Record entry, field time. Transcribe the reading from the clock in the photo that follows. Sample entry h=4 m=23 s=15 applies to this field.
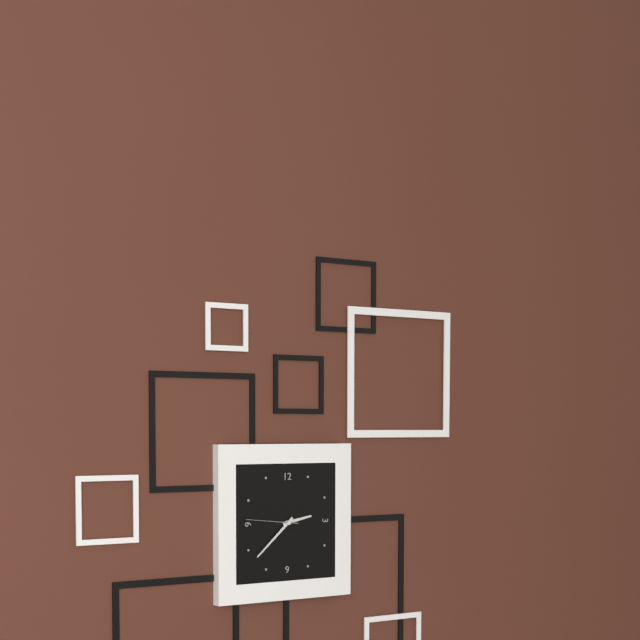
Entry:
h=2 m=38 s=46
